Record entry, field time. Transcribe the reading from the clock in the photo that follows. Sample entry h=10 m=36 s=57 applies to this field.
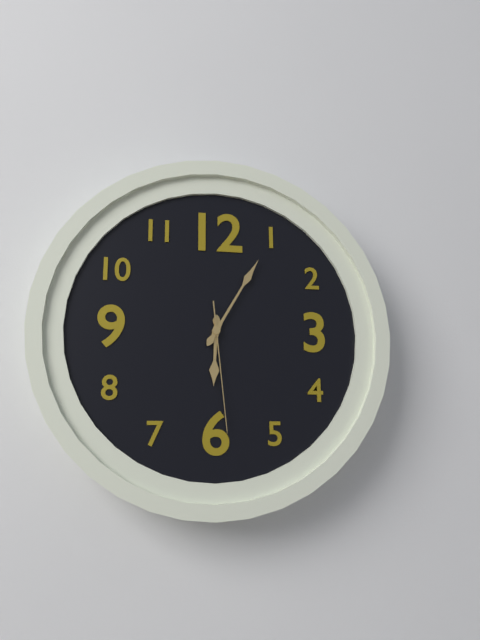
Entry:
h=6 m=5 s=29
